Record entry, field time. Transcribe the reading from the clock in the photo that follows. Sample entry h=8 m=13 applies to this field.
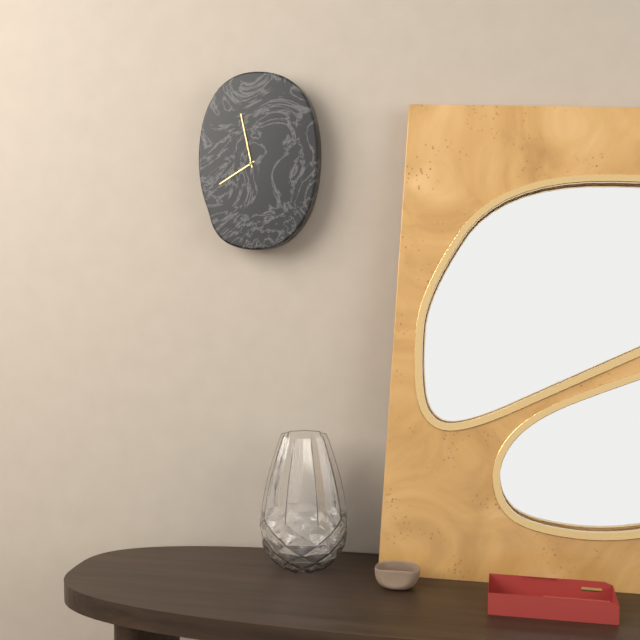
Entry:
h=7 m=58
